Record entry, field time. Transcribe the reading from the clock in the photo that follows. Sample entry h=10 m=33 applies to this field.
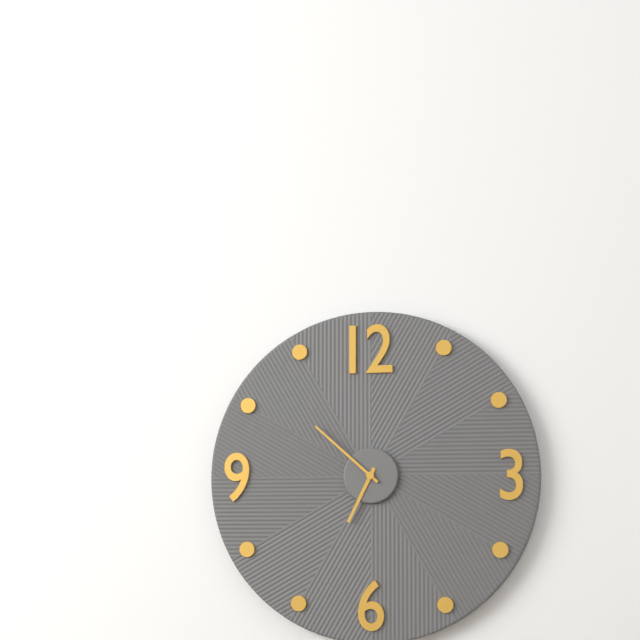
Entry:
h=6 m=52
